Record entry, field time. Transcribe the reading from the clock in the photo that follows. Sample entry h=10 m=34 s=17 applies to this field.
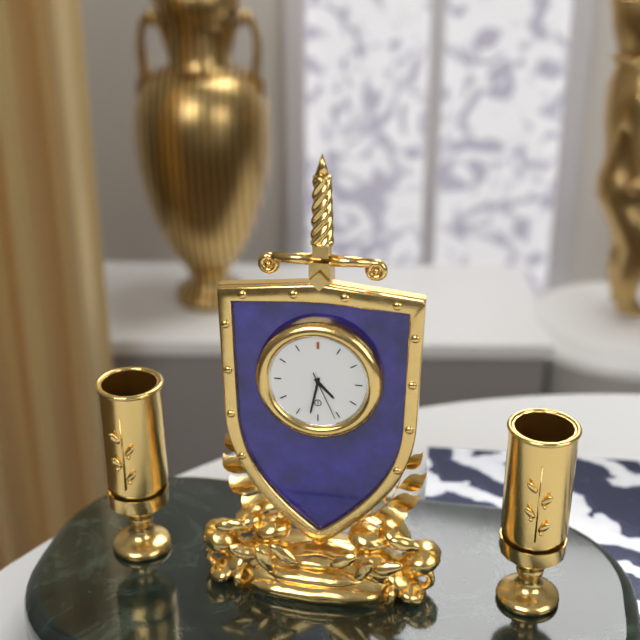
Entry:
h=4 m=32 s=26
